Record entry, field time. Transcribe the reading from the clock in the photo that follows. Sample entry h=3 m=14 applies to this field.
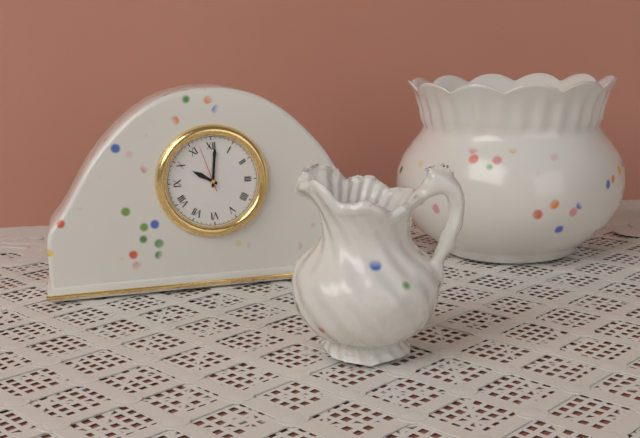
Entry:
h=10 m=1
